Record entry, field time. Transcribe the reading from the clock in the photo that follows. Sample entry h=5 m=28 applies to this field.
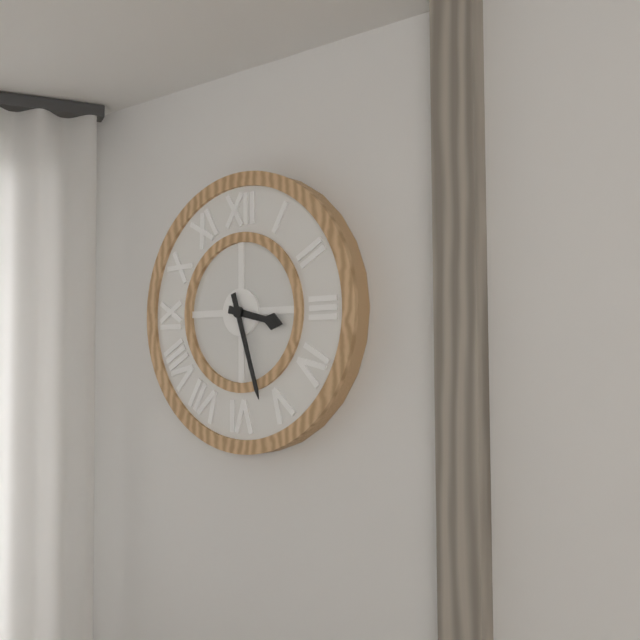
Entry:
h=3 m=27
